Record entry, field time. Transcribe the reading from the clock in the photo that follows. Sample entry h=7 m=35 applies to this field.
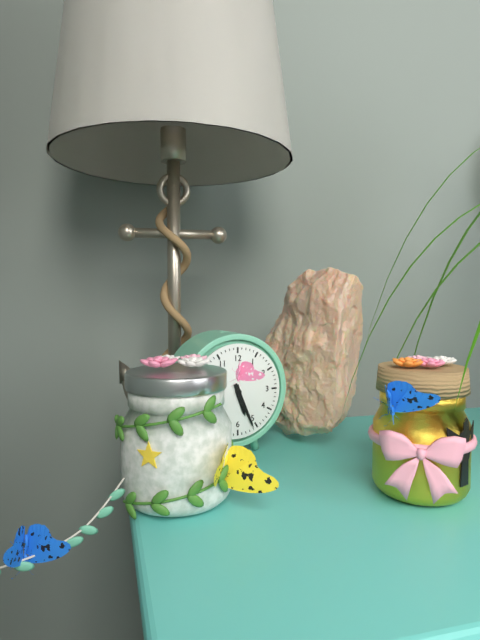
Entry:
h=5 m=26
